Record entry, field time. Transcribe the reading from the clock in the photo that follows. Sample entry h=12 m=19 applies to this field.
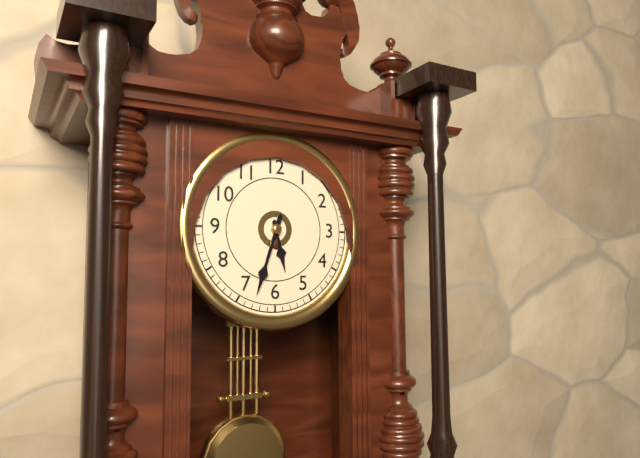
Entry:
h=5 m=33
